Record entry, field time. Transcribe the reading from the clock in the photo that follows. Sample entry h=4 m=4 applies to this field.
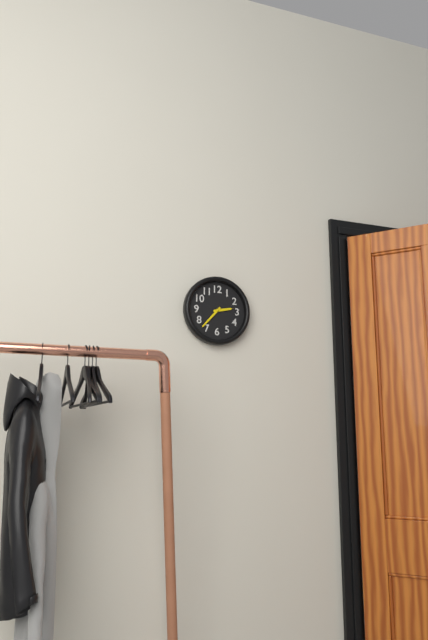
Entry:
h=2 m=37
